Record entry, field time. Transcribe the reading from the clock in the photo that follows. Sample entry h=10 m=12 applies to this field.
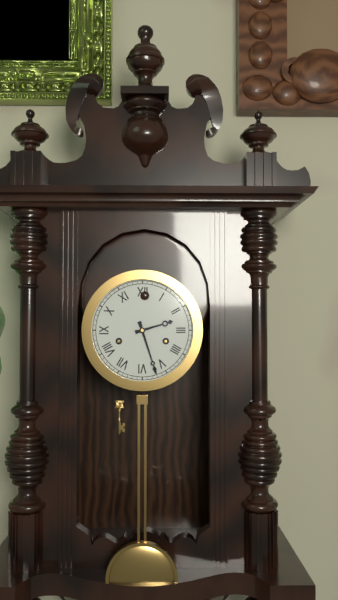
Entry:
h=2 m=27
